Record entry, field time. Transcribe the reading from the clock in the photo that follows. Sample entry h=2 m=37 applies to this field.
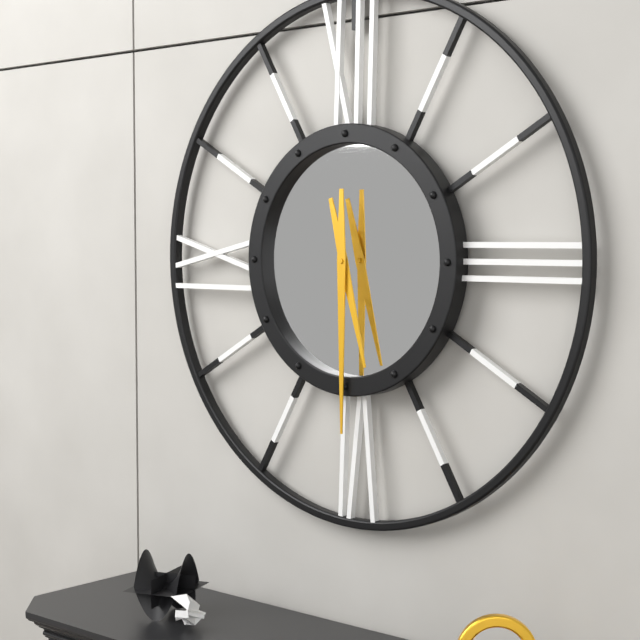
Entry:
h=5 m=30
